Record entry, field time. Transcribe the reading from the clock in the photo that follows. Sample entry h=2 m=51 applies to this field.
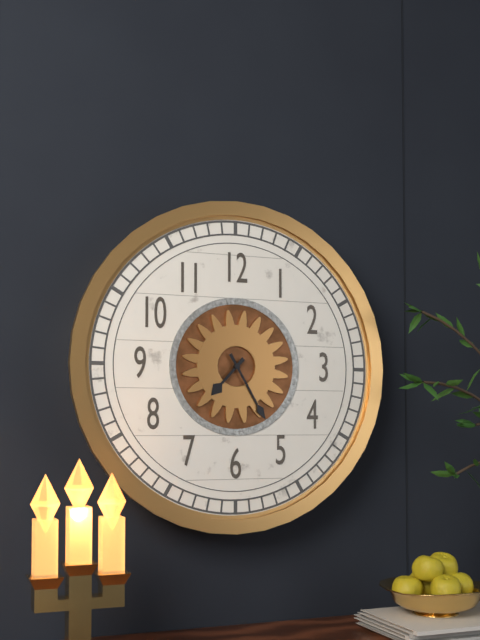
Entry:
h=7 m=25
